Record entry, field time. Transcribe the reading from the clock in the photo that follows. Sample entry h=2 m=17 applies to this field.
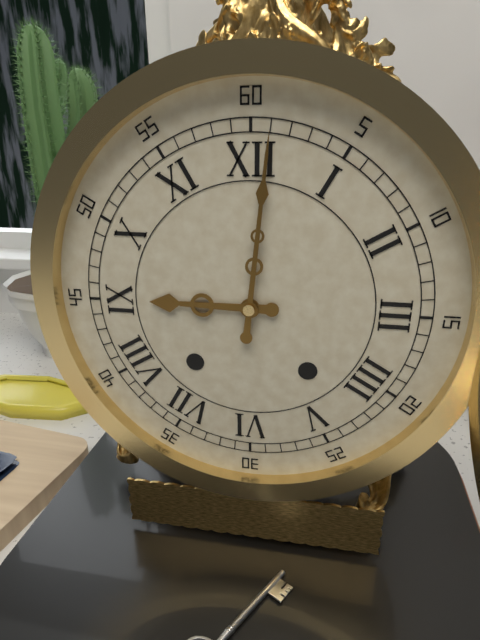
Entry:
h=9 m=1
